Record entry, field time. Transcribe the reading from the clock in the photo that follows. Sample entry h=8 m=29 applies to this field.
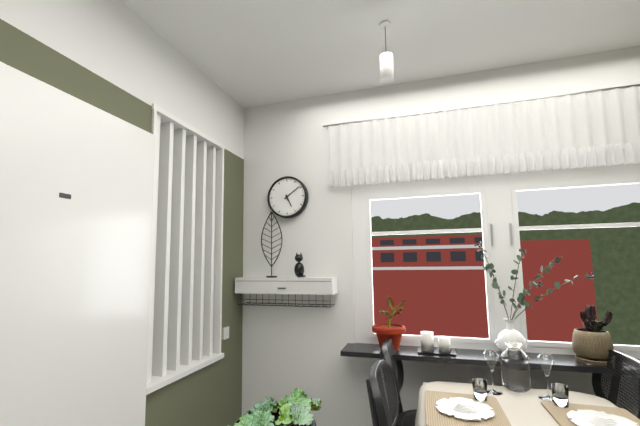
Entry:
h=5 m=9
